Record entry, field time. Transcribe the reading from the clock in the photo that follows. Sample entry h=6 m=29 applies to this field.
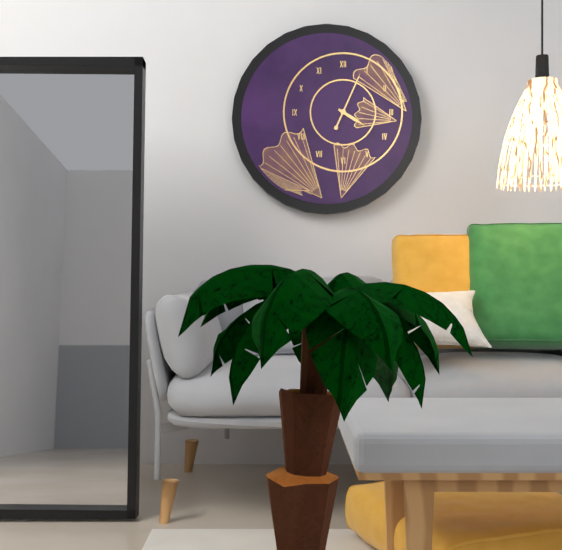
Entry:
h=4 m=4
